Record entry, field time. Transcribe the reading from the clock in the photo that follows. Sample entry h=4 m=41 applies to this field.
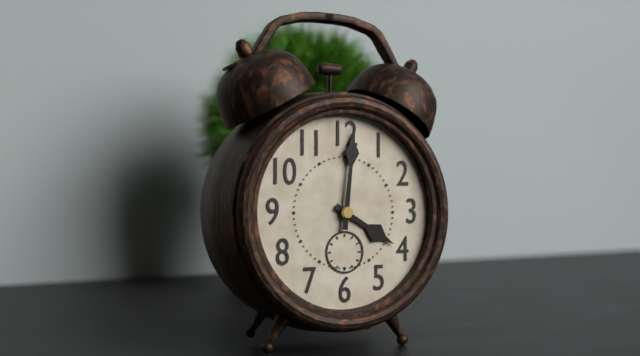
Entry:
h=4 m=1
